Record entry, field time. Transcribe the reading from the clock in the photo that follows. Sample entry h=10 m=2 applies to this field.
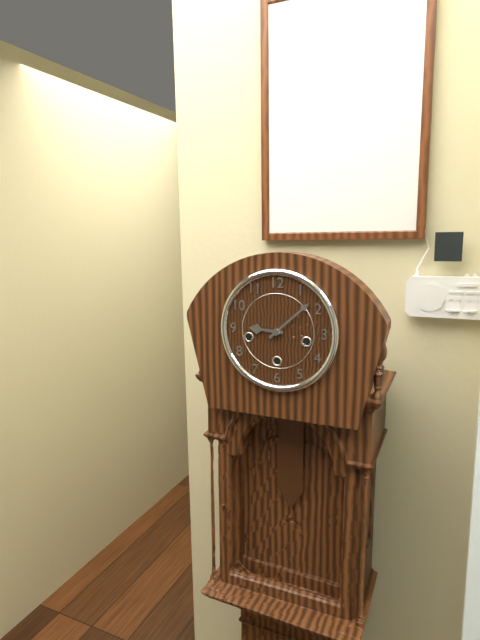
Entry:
h=9 m=8
